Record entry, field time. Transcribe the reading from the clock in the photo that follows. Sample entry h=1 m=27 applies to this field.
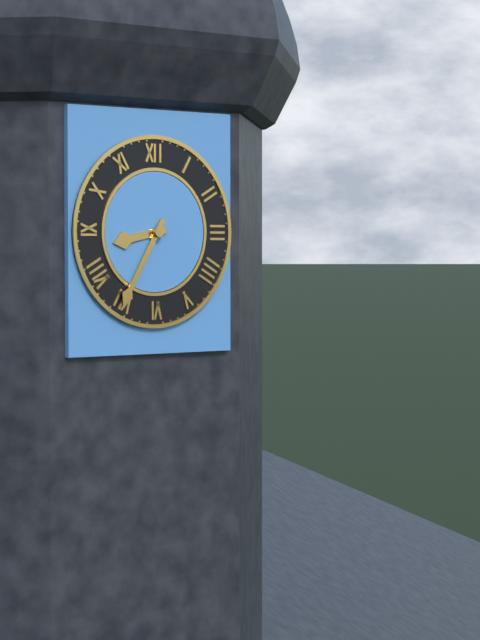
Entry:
h=8 m=35
